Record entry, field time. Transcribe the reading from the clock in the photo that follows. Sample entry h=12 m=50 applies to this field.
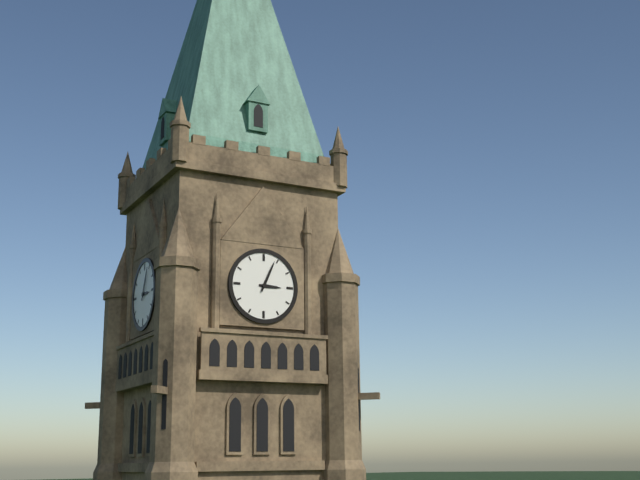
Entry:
h=3 m=4
